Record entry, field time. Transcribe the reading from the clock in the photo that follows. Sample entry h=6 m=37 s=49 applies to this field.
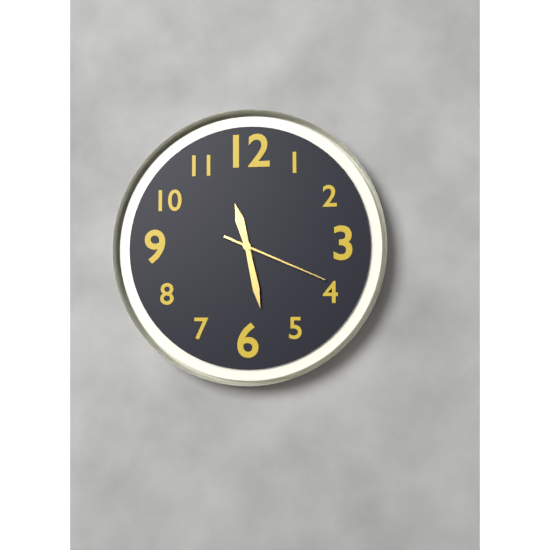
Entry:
h=11 m=28 s=19
